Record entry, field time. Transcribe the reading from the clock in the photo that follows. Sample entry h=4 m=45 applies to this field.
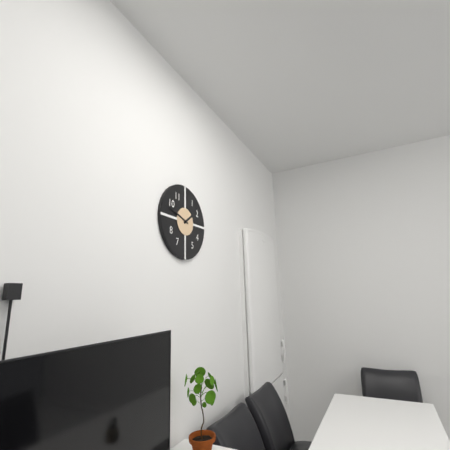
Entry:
h=1 m=48
